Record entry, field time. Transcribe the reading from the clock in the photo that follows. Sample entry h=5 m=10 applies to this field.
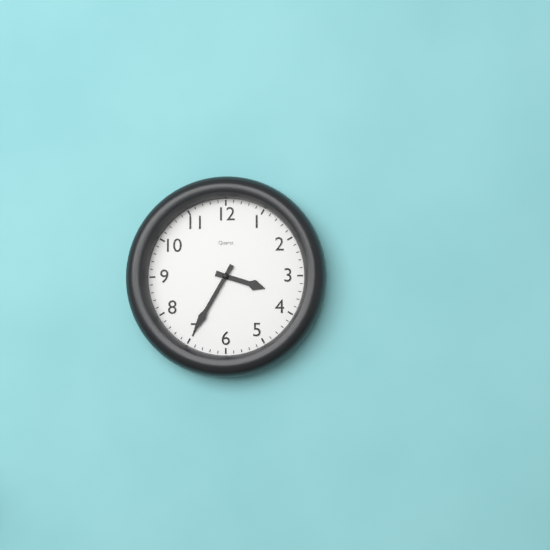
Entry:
h=3 m=35
